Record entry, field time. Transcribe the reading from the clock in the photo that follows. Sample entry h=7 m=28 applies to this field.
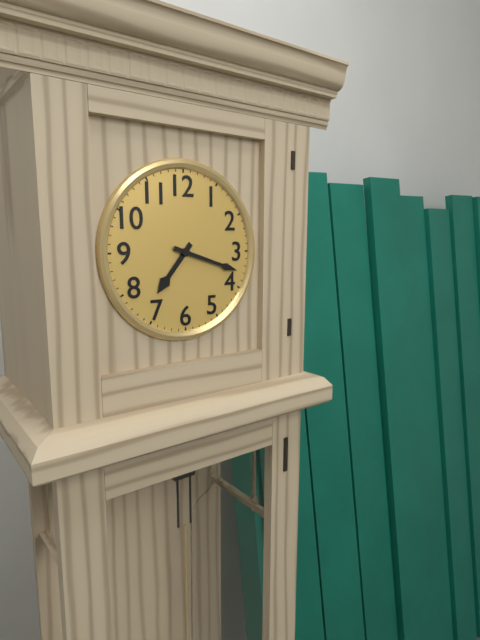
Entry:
h=7 m=18
